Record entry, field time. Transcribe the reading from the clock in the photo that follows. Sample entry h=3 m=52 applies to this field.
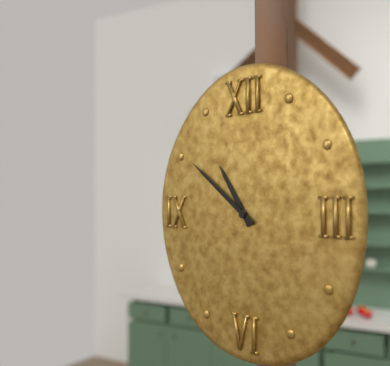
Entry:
h=10 m=51
